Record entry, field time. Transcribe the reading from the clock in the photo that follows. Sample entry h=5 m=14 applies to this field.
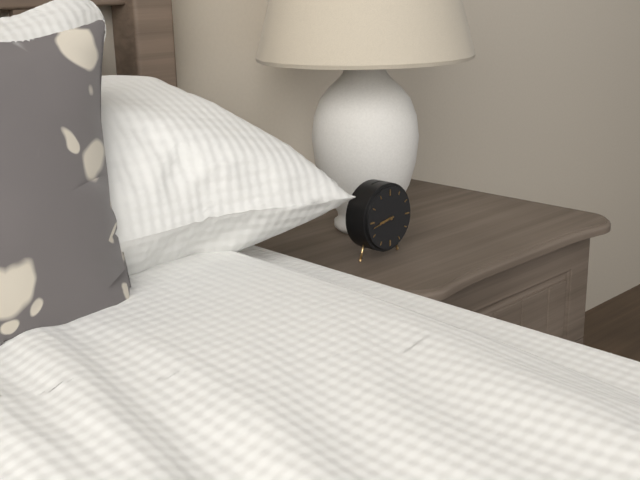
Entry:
h=8 m=43
